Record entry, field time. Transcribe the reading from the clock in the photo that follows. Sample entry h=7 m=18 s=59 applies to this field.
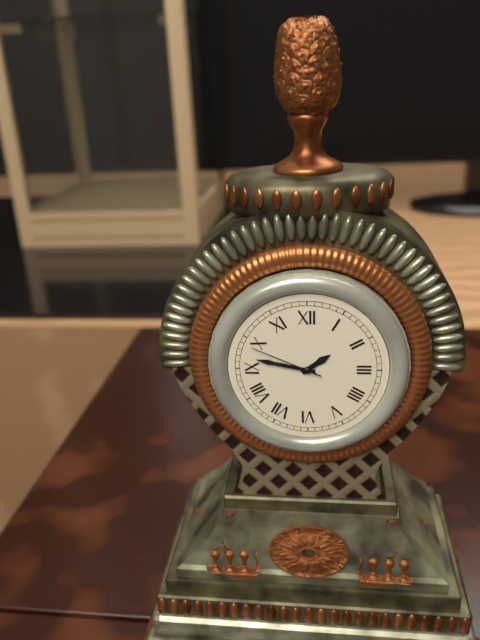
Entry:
h=1 m=47 s=49
